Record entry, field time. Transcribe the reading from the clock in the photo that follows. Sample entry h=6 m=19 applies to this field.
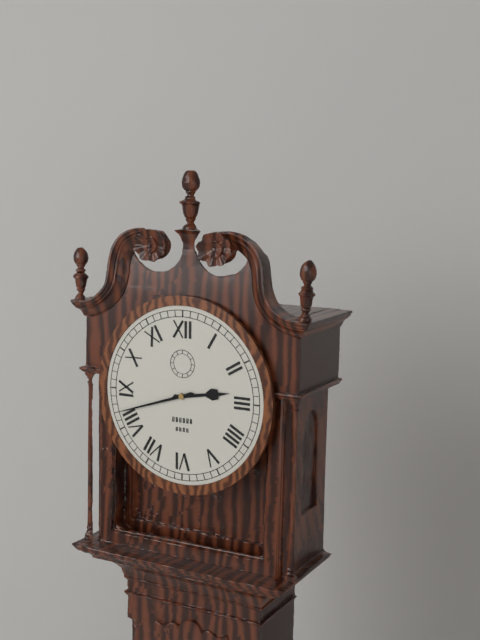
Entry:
h=2 m=42
